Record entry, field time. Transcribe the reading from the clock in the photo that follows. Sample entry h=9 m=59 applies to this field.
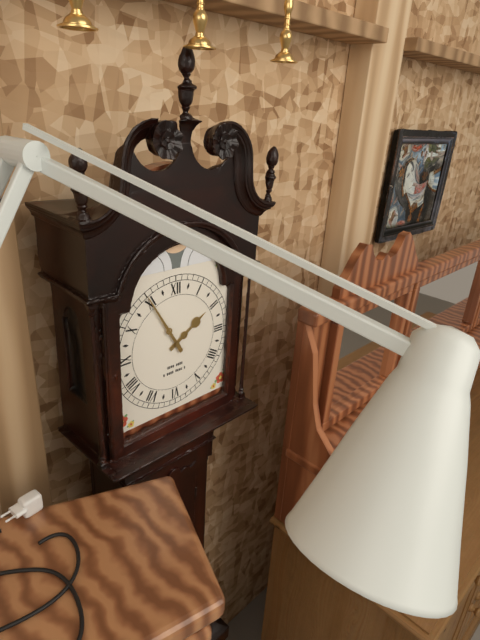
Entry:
h=1 m=55
